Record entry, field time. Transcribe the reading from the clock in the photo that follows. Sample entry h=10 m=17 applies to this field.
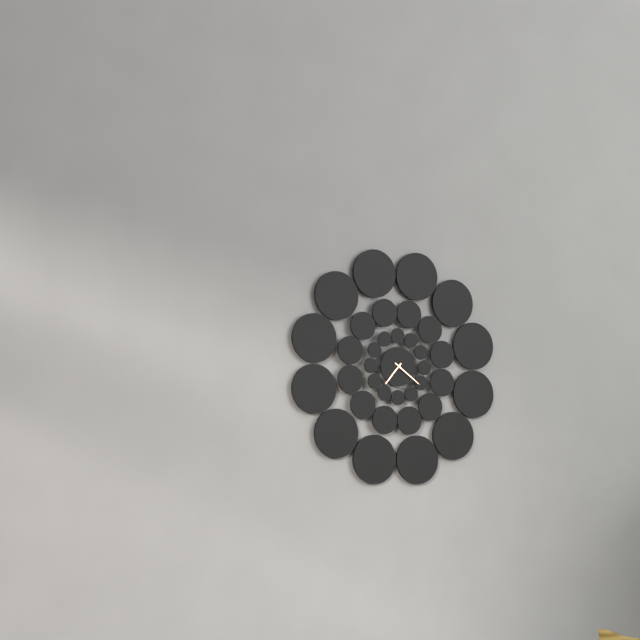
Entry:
h=7 m=21
